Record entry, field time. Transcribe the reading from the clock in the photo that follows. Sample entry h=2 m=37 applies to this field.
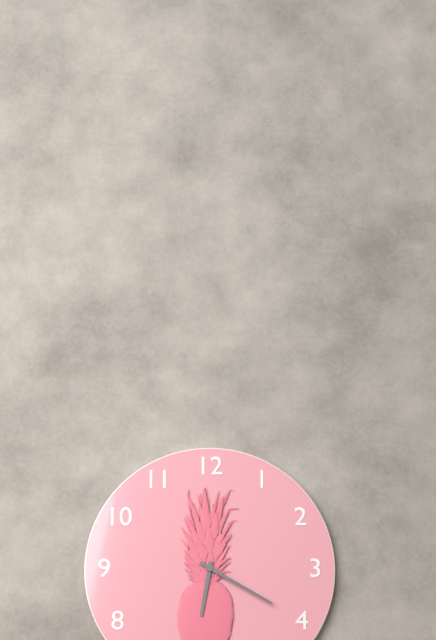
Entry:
h=6 m=20
